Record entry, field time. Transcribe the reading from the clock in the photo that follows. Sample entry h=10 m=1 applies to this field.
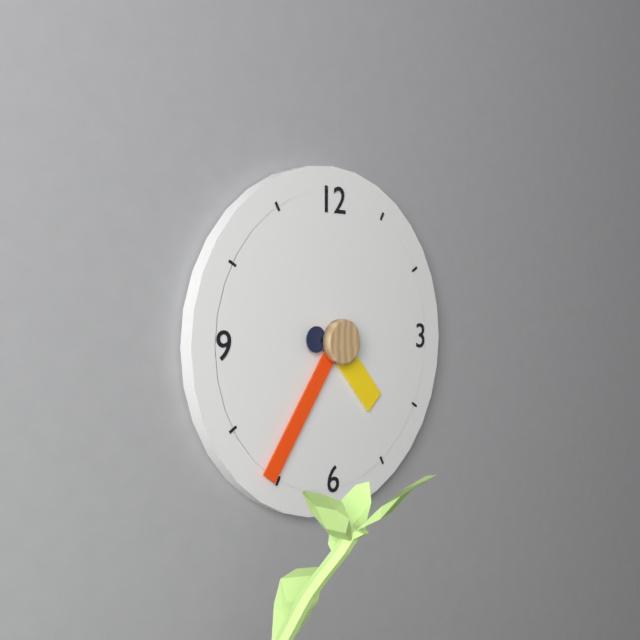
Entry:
h=4 m=36
